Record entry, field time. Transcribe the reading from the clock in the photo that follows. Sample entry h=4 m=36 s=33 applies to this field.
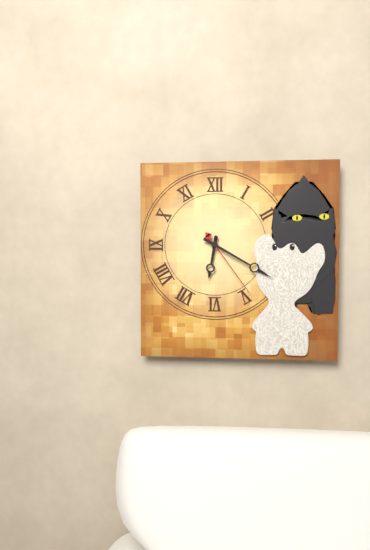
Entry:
h=6 m=20 s=24
